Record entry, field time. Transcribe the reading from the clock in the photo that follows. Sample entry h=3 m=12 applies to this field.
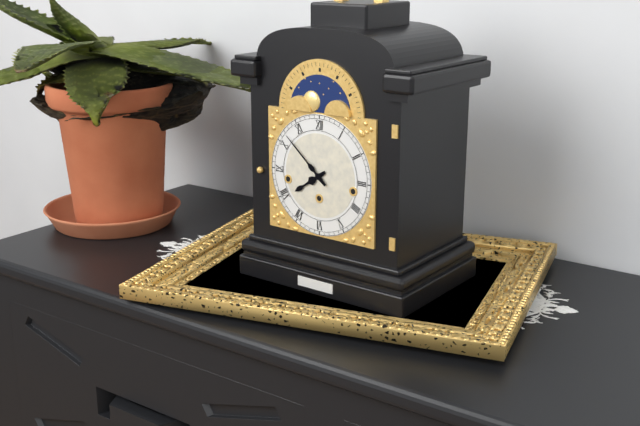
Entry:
h=7 m=52
